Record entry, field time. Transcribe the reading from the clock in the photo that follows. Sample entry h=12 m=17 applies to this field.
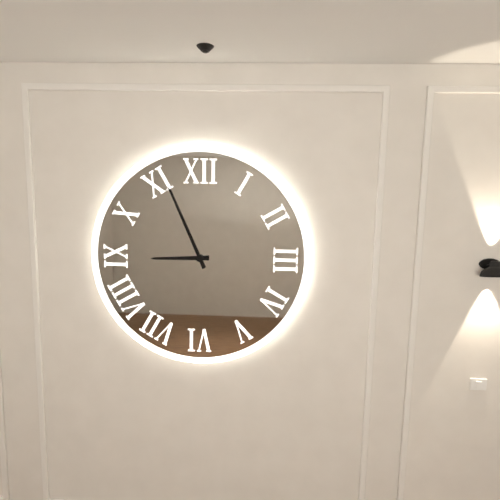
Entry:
h=8 m=56
